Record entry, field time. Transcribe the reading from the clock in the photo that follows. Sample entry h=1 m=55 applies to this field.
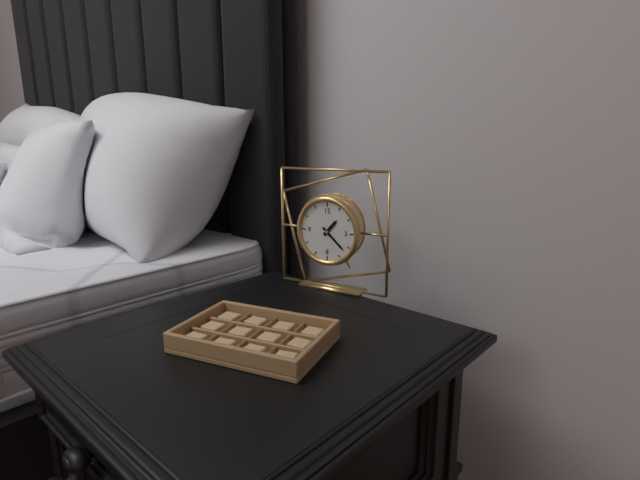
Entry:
h=1 m=22
